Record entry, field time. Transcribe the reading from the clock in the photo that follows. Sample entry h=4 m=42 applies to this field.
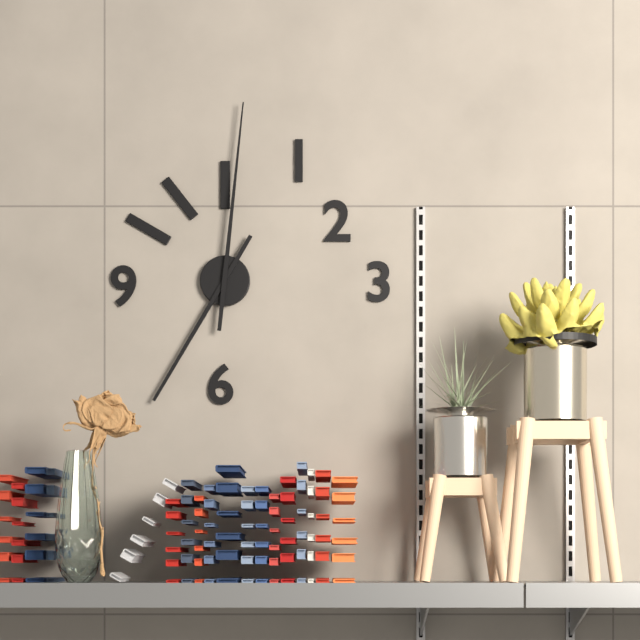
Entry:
h=7 m=1
